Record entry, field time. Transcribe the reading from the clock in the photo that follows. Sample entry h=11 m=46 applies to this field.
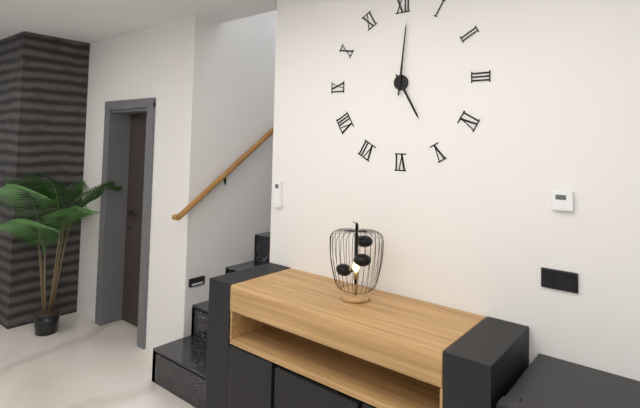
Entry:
h=5 m=1
